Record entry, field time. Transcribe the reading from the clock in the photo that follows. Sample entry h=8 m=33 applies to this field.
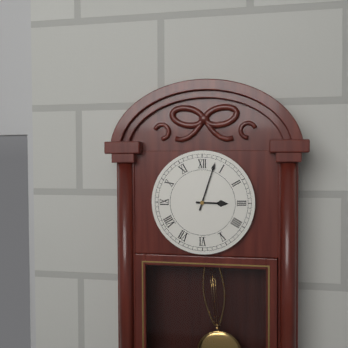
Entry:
h=3 m=3
